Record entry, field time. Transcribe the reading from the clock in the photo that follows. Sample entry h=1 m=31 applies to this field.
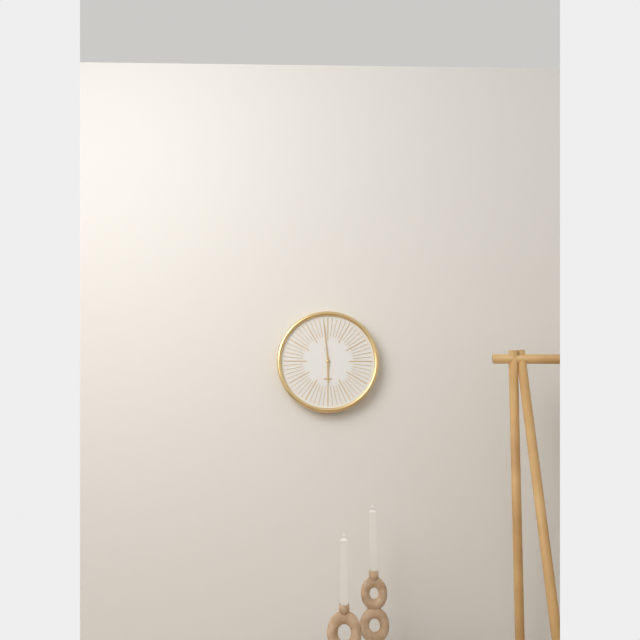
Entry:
h=5 m=59
